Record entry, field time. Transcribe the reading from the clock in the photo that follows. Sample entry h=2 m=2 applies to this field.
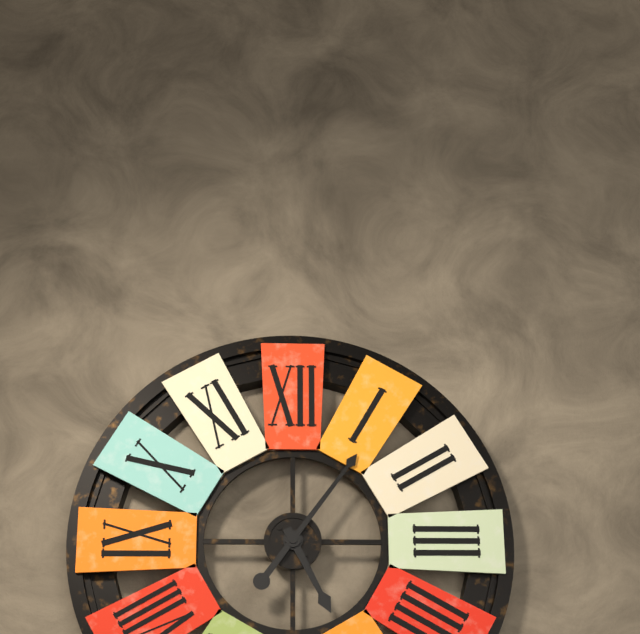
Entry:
h=5 m=6
